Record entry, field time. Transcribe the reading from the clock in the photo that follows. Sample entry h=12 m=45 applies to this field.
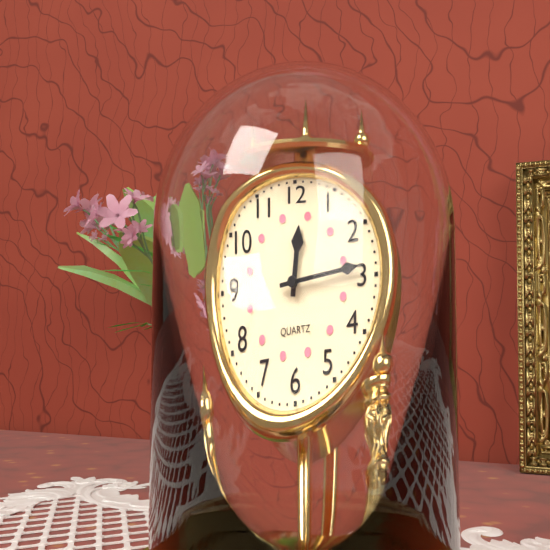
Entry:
h=12 m=14
